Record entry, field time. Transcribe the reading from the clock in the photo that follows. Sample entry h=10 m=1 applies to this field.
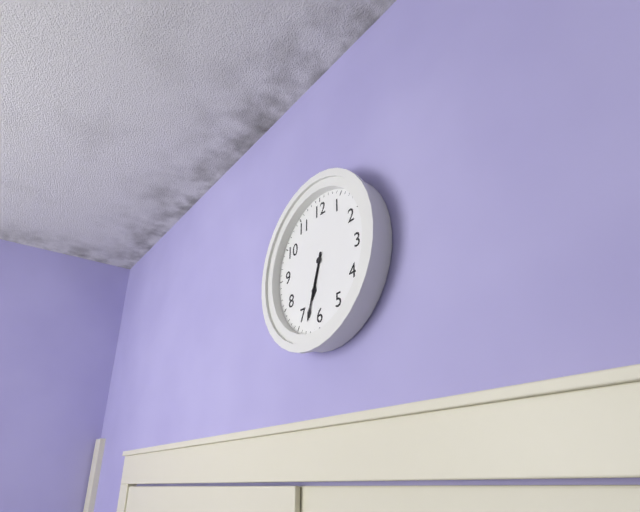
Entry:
h=6 m=33
